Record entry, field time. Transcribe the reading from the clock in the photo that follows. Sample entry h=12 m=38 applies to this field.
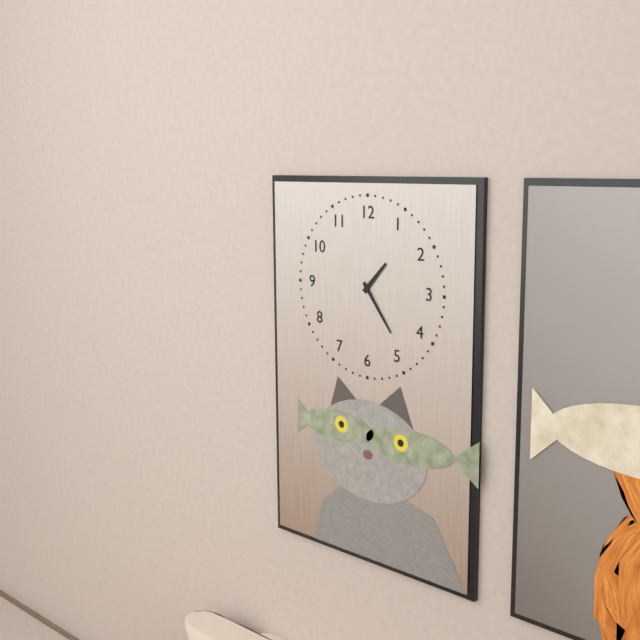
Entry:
h=1 m=24
